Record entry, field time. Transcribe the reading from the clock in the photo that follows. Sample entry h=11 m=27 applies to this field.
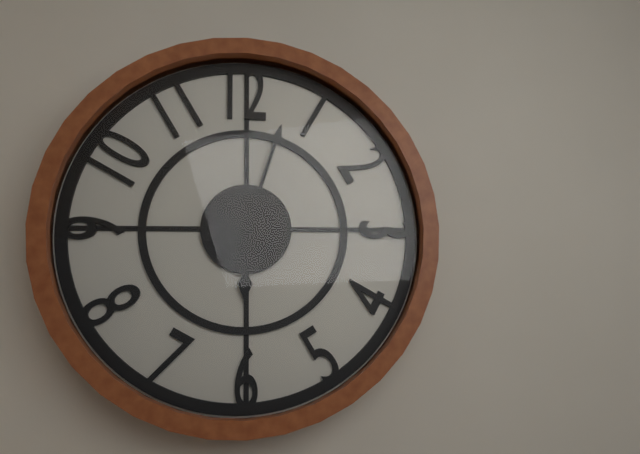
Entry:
h=6 m=3
